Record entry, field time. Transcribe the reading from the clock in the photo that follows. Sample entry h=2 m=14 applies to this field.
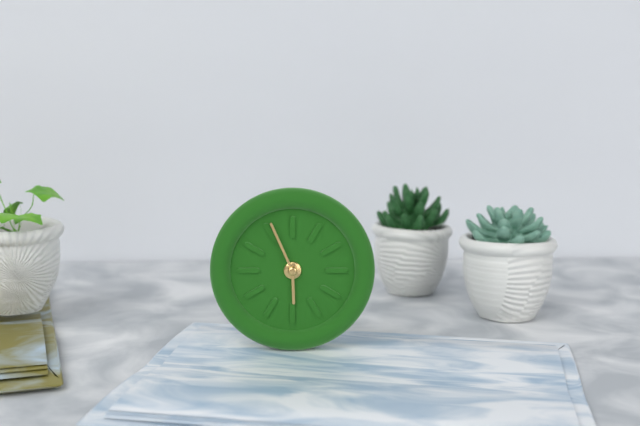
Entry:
h=5 m=56
